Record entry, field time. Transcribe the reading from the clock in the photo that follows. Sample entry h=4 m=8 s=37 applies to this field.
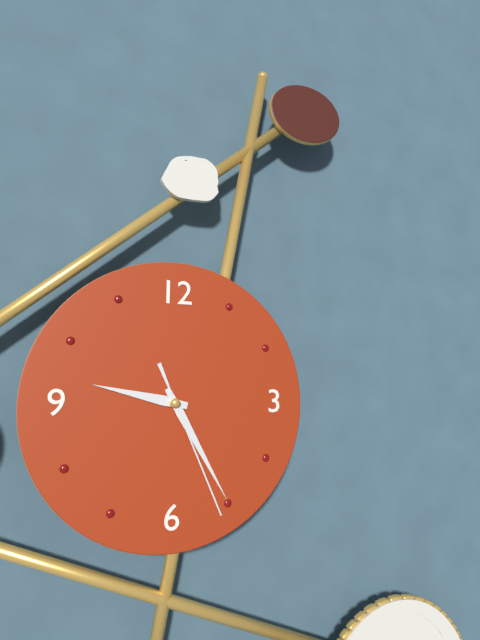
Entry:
h=9 m=25 s=26
